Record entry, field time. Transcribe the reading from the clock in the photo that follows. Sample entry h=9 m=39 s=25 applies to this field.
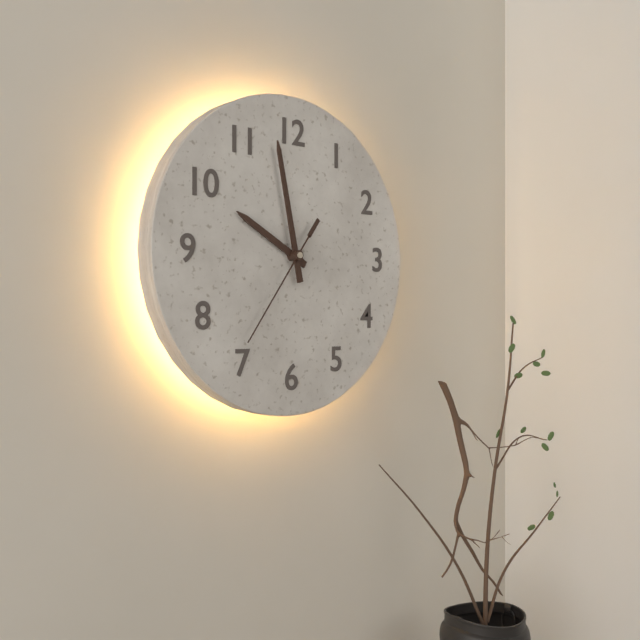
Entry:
h=9 m=58 s=36
